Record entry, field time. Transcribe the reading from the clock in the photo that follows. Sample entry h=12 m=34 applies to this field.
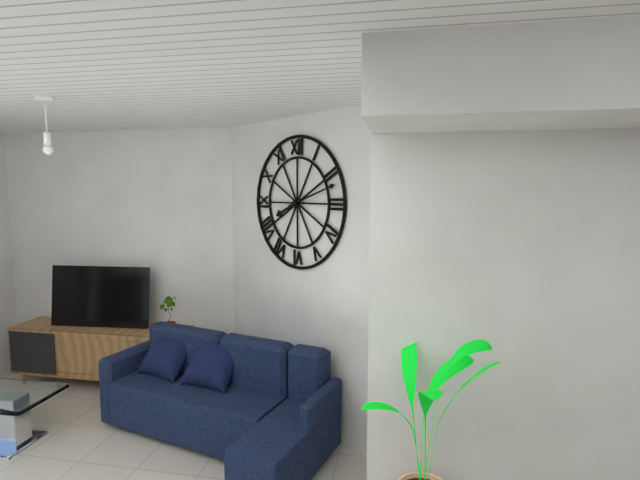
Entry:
h=8 m=12
